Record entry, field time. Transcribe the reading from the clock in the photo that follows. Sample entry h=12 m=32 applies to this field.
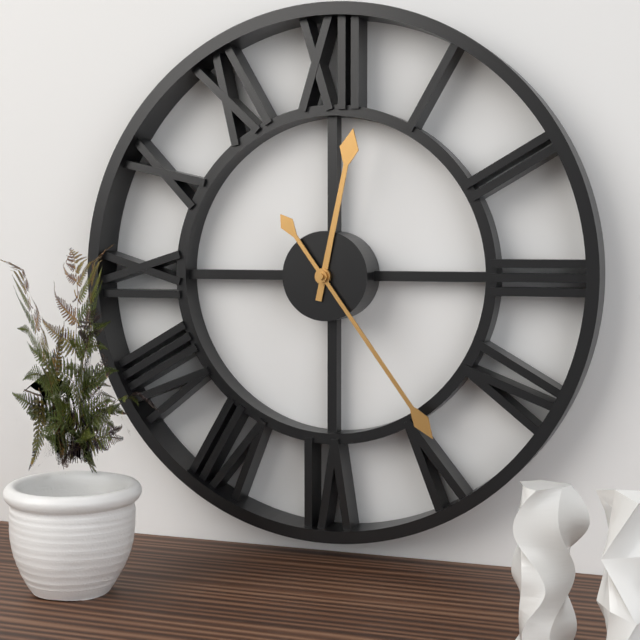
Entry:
h=12 m=24
